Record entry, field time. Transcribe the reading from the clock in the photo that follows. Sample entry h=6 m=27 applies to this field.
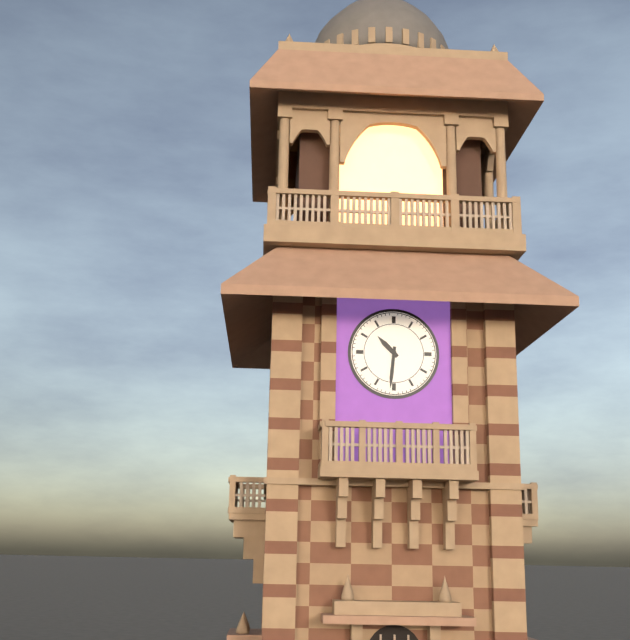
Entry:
h=10 m=31
